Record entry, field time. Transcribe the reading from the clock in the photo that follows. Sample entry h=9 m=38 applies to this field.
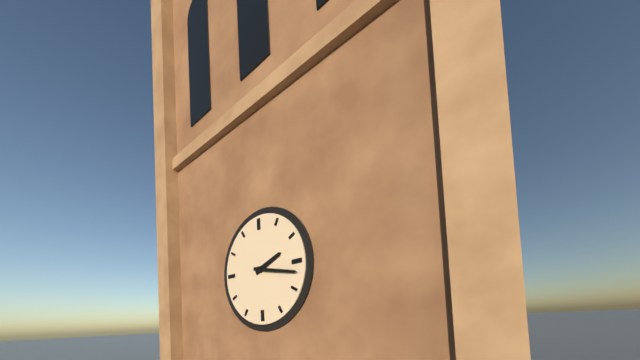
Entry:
h=2 m=17
